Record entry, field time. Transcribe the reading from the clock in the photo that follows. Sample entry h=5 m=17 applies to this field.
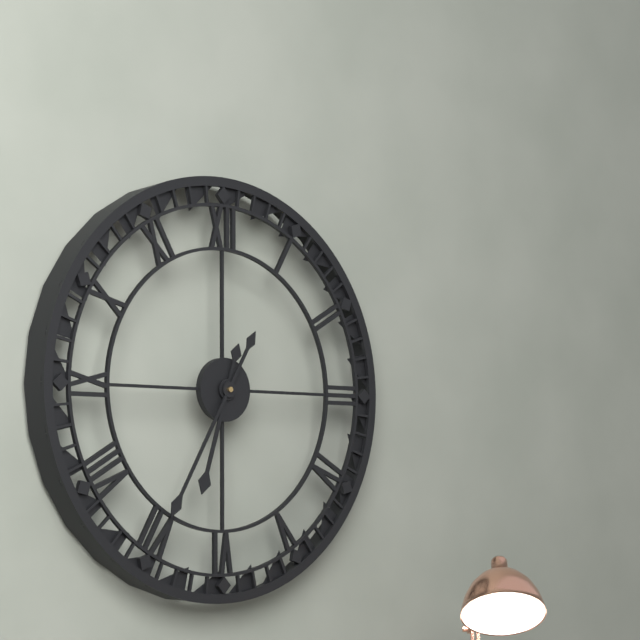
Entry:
h=6 m=35
